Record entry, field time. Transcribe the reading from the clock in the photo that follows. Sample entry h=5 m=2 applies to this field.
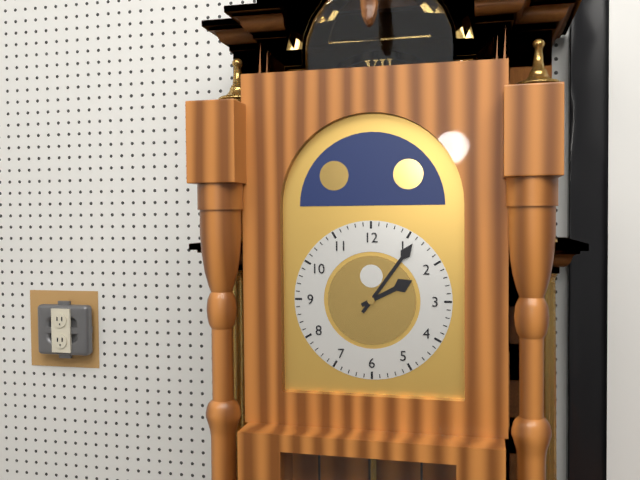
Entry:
h=2 m=6
